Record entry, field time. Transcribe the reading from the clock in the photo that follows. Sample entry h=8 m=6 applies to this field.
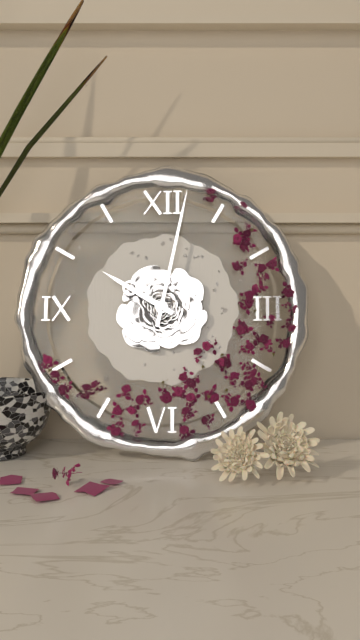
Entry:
h=10 m=2
